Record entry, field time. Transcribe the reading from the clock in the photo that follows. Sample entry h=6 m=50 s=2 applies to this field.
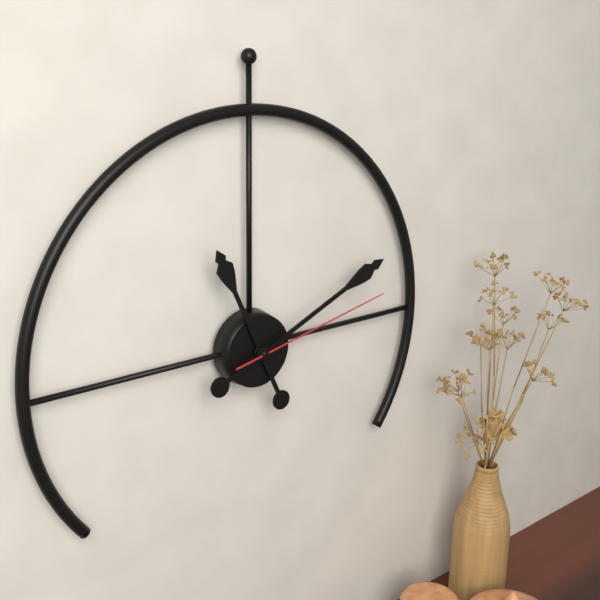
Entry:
h=11 m=11 s=13
